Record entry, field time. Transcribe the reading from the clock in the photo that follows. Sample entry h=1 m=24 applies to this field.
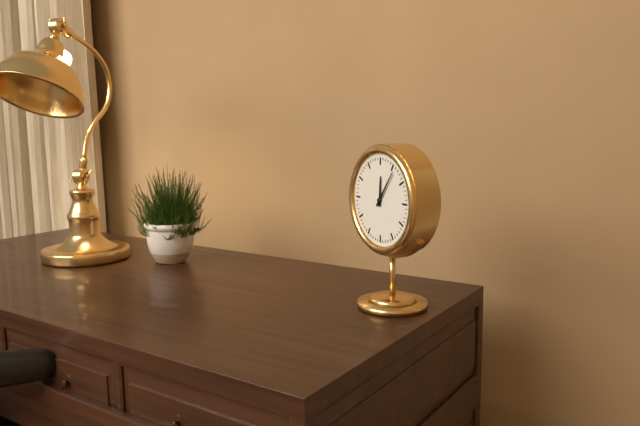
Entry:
h=12 m=6
